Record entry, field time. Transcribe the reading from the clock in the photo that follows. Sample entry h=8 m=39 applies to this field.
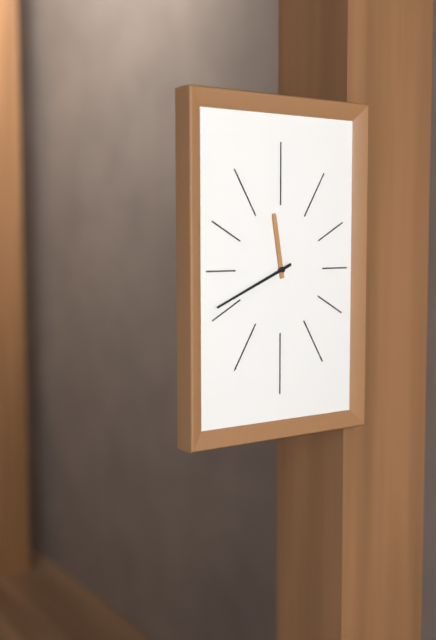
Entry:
h=11 m=41
